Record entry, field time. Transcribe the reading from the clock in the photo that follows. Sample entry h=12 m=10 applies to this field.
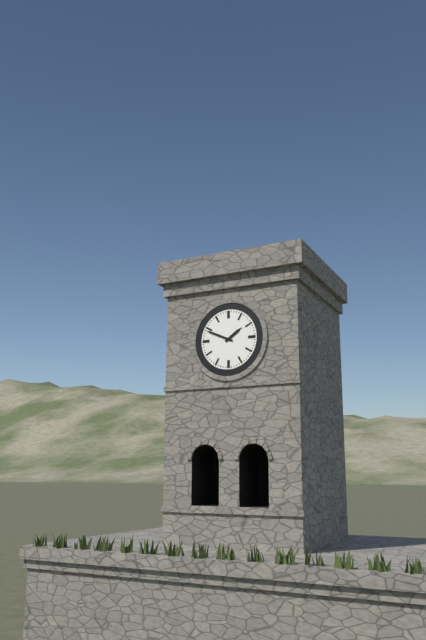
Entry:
h=1 m=49
